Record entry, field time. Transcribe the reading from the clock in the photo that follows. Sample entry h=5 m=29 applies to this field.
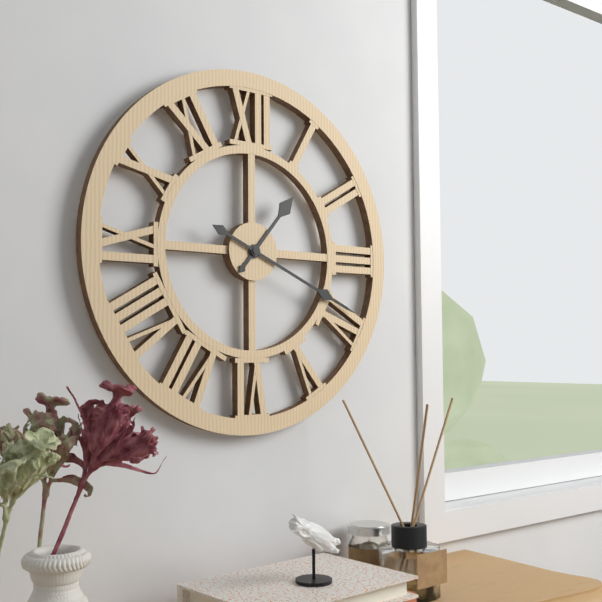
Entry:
h=1 m=19
